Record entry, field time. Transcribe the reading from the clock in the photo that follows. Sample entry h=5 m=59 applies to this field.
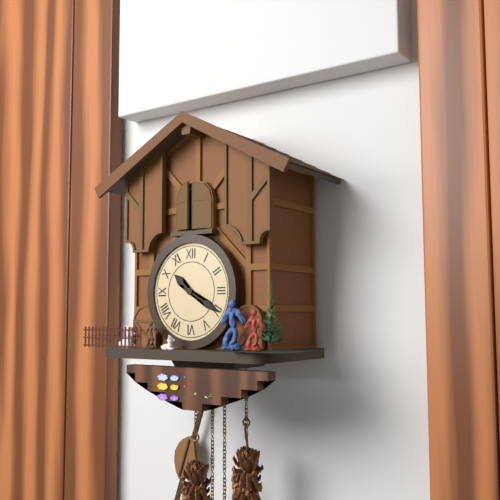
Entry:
h=10 m=20
